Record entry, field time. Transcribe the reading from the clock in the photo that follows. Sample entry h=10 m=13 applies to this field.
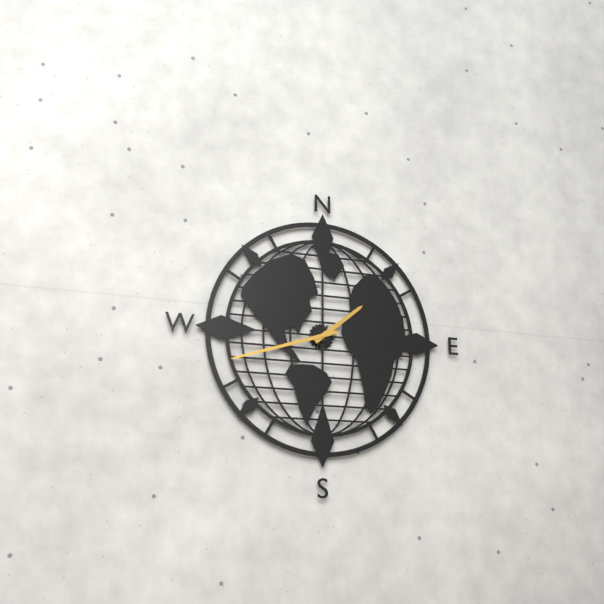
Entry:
h=1 m=42
